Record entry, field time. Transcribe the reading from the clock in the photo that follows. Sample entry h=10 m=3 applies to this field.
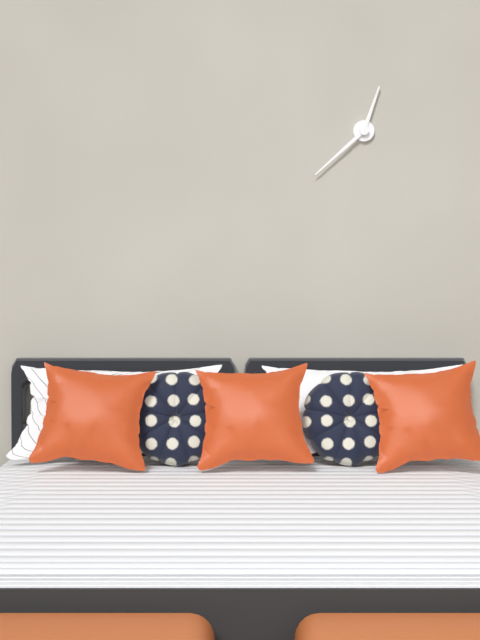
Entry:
h=12 m=38
